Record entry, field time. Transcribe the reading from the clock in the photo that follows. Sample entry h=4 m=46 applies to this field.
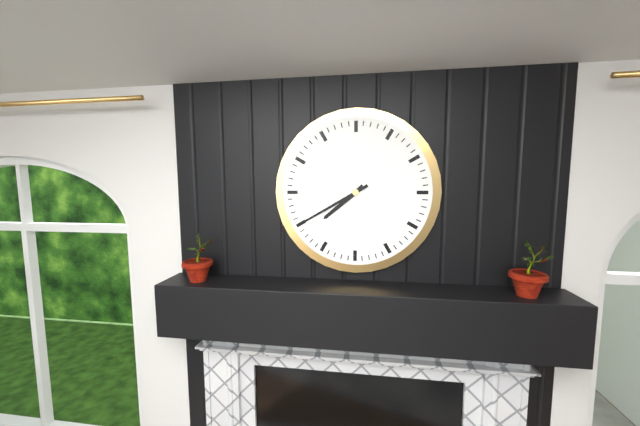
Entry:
h=7 m=40
